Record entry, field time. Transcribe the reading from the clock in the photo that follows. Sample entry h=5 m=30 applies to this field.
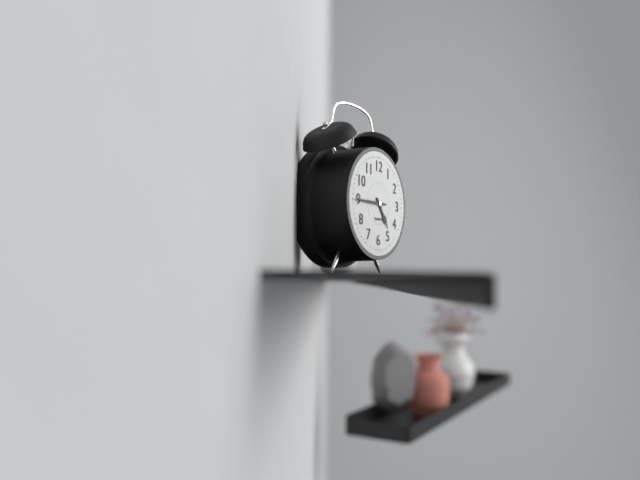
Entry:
h=4 m=45
